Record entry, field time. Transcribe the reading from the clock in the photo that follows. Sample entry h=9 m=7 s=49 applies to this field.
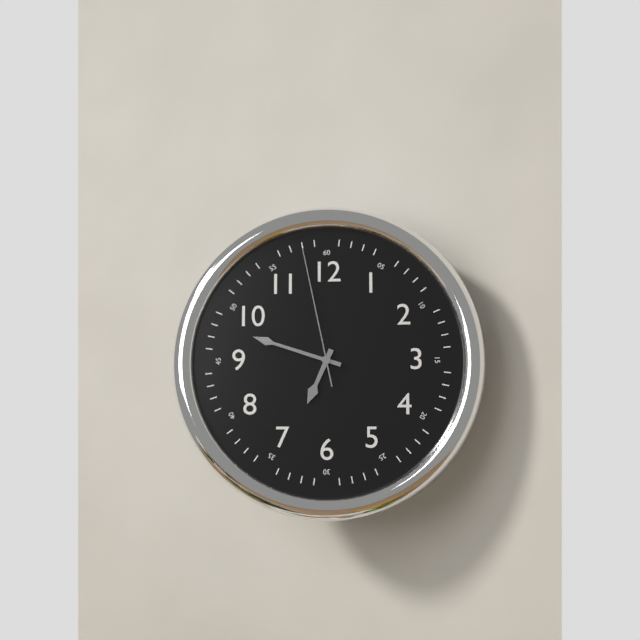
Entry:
h=6 m=48 s=58
